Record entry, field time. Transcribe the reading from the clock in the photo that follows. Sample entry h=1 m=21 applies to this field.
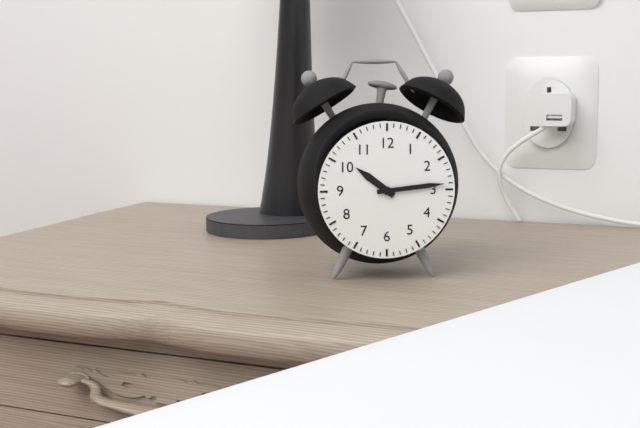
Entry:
h=10 m=14
